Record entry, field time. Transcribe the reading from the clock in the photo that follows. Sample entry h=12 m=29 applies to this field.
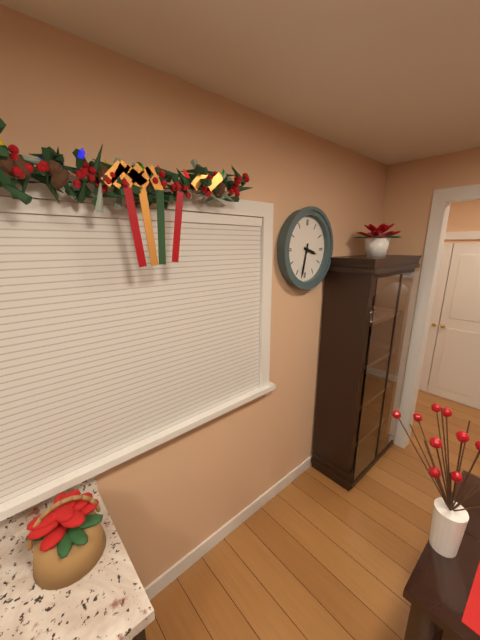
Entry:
h=3 m=32
